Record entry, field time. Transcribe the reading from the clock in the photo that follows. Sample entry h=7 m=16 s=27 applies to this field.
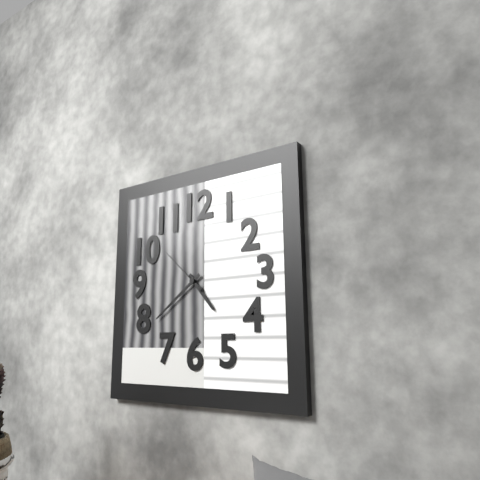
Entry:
h=4 m=39 s=52
